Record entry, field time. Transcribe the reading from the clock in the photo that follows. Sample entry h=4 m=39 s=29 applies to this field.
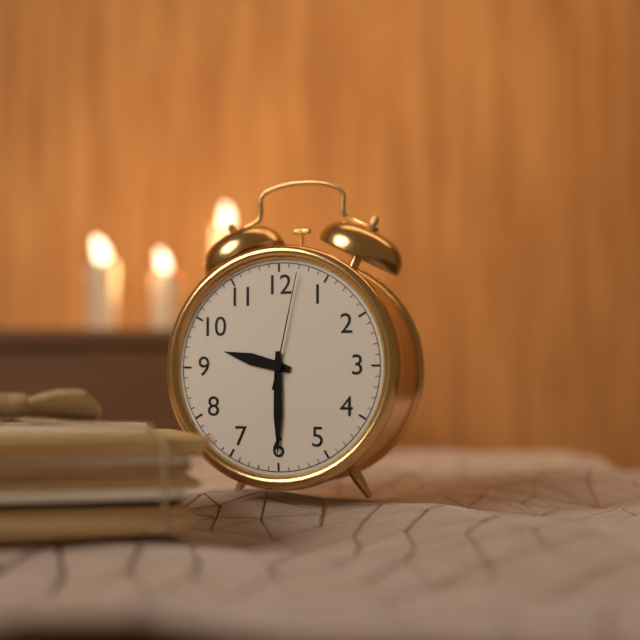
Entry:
h=9 m=30 s=2
